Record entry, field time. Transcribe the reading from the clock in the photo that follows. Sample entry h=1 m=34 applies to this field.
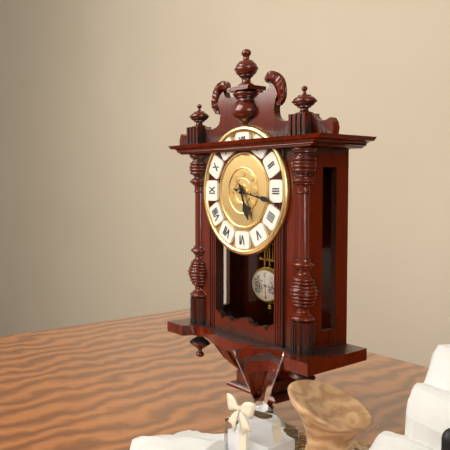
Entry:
h=5 m=17
